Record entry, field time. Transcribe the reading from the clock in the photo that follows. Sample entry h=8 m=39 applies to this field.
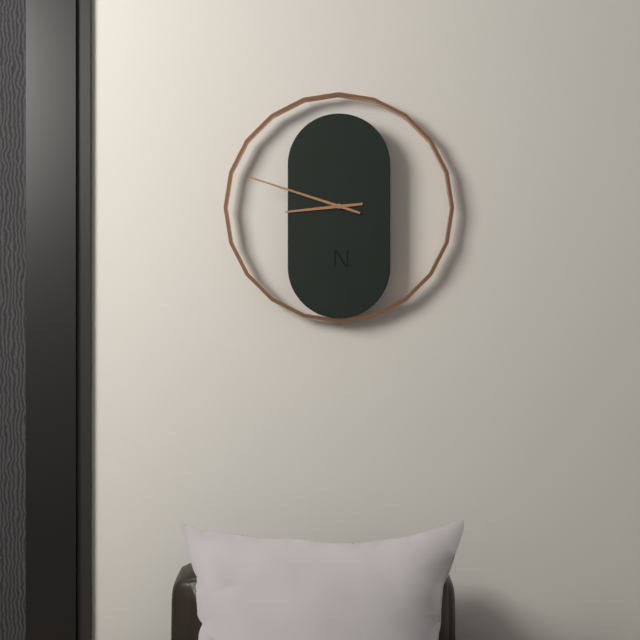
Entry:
h=8 m=48
